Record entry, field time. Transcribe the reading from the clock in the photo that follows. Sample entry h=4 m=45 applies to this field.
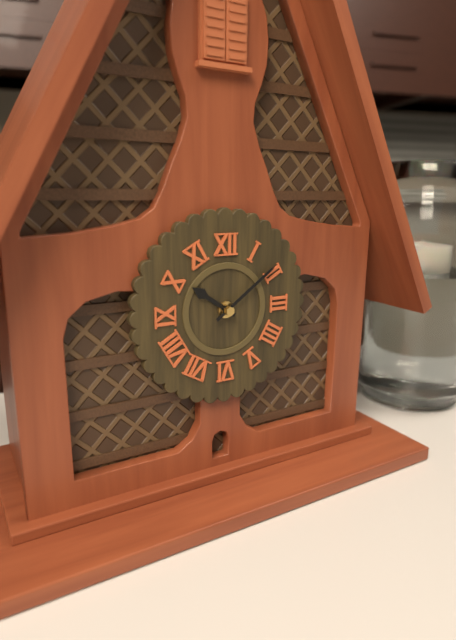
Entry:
h=10 m=9
